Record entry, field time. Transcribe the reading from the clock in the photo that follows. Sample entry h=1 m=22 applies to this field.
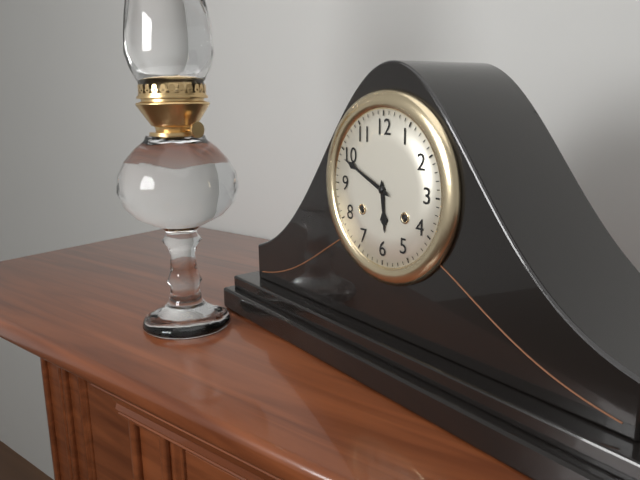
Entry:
h=5 m=49
